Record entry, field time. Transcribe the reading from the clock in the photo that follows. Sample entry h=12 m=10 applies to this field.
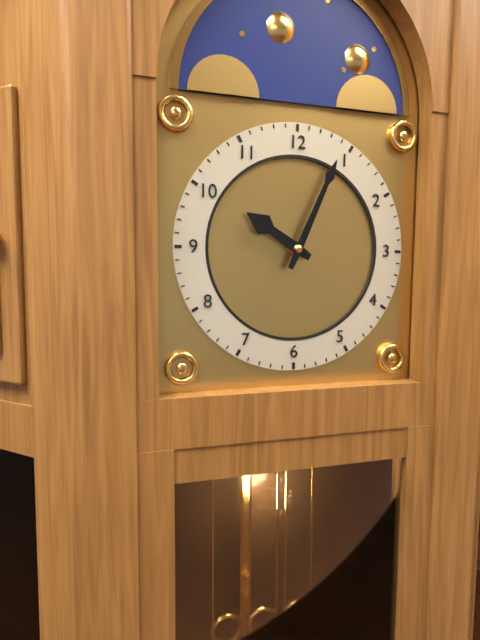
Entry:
h=10 m=4
